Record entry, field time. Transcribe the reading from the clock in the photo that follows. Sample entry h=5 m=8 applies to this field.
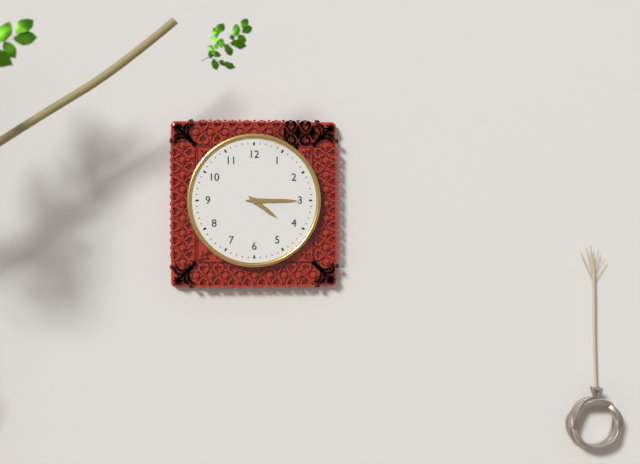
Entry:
h=4 m=15
